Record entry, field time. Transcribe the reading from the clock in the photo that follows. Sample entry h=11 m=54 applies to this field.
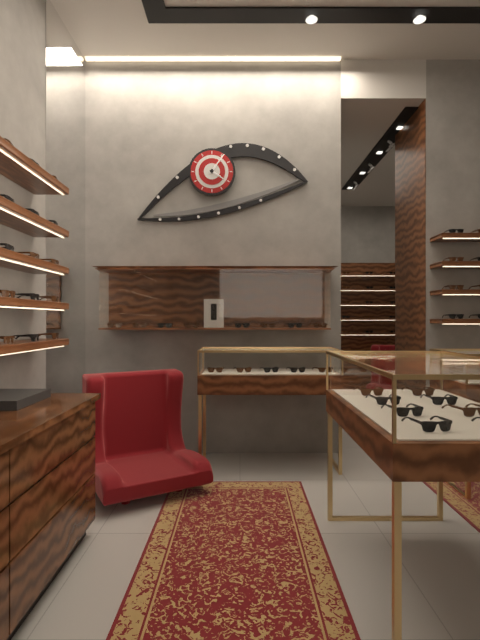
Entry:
h=4 m=6
